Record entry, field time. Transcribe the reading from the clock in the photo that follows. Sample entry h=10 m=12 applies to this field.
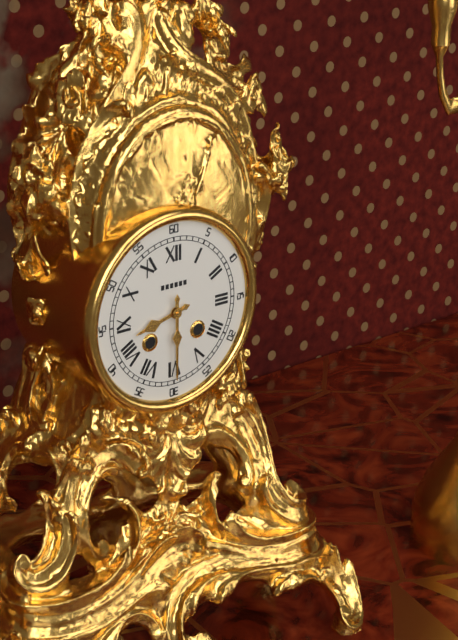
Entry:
h=8 m=30
